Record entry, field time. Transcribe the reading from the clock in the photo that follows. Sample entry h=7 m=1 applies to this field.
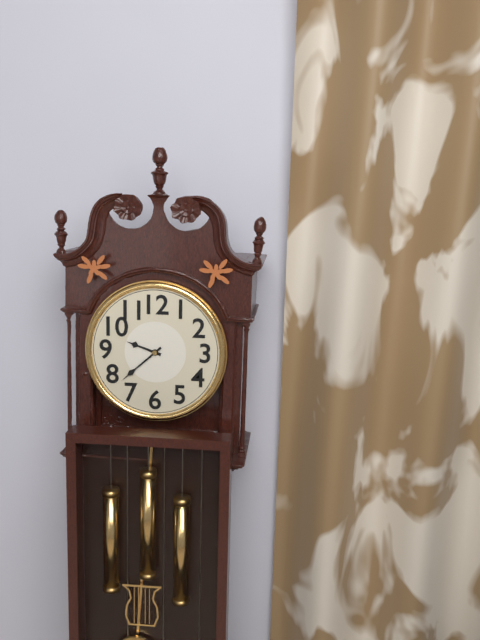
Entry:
h=9 m=38
